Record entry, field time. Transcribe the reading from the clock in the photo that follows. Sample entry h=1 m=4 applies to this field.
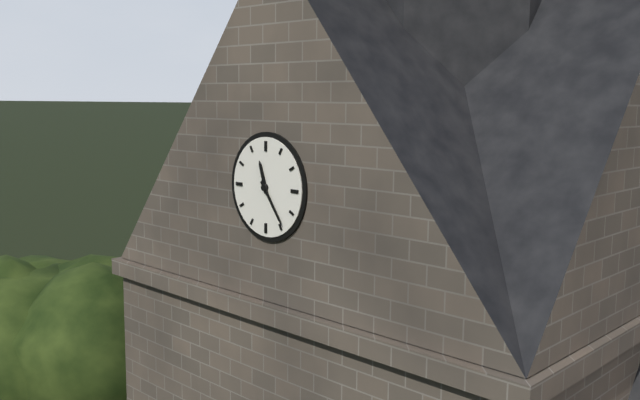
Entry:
h=11 m=24
